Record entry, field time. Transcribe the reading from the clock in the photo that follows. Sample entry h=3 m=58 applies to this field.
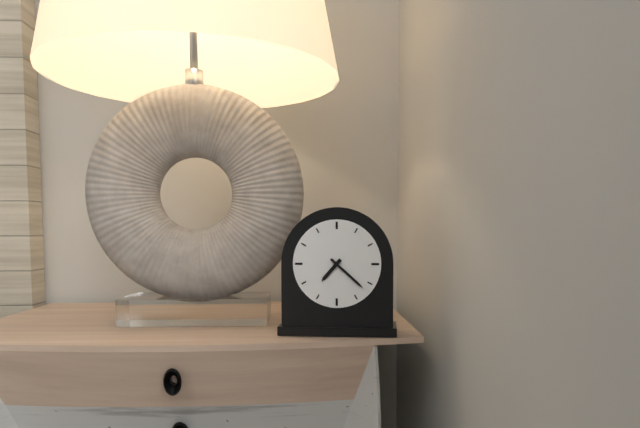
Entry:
h=7 m=22
